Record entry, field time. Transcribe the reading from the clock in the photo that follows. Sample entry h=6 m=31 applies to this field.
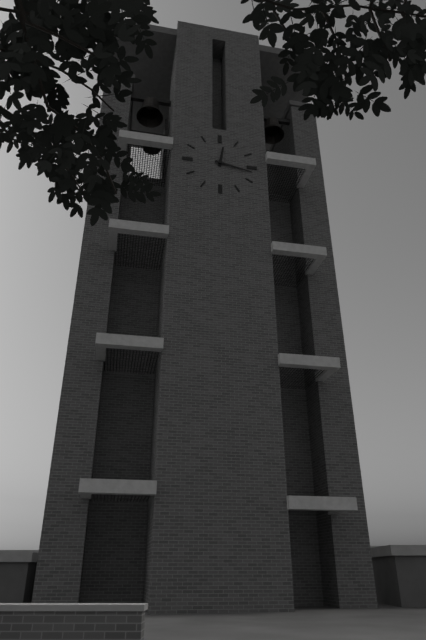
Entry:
h=12 m=17
